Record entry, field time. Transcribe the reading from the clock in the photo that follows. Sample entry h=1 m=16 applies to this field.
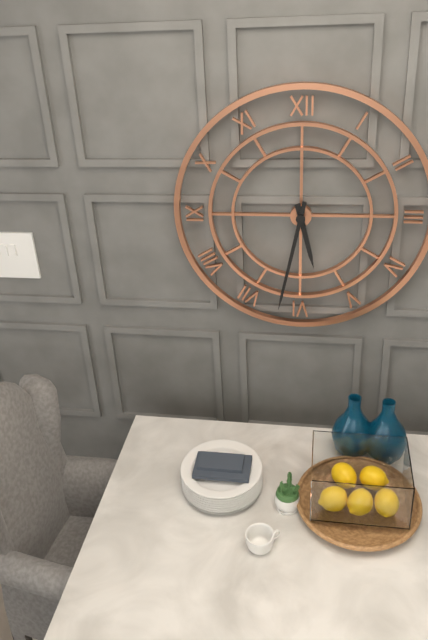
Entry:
h=5 m=32
